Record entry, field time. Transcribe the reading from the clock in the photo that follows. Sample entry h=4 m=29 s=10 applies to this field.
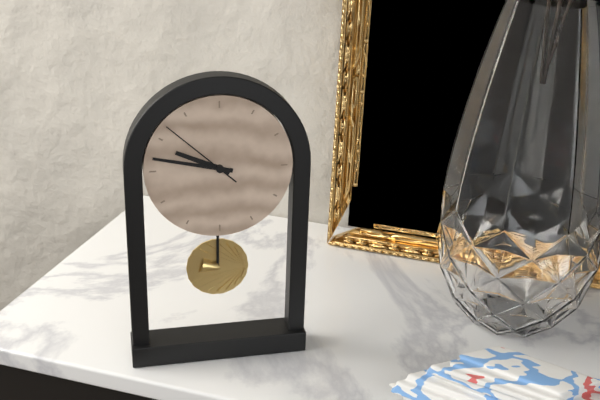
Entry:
h=9 m=47 s=52
